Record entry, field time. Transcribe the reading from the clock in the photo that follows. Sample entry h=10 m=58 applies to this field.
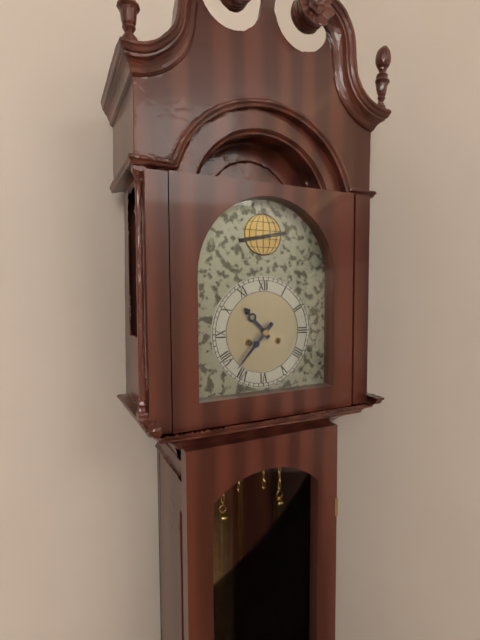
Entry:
h=10 m=37
